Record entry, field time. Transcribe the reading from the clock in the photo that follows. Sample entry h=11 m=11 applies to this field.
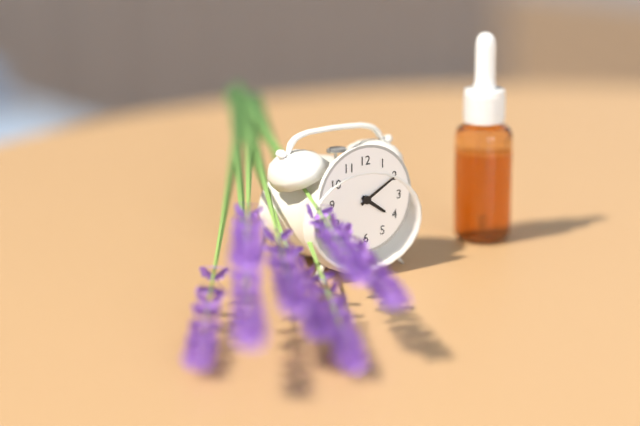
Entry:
h=4 m=10
